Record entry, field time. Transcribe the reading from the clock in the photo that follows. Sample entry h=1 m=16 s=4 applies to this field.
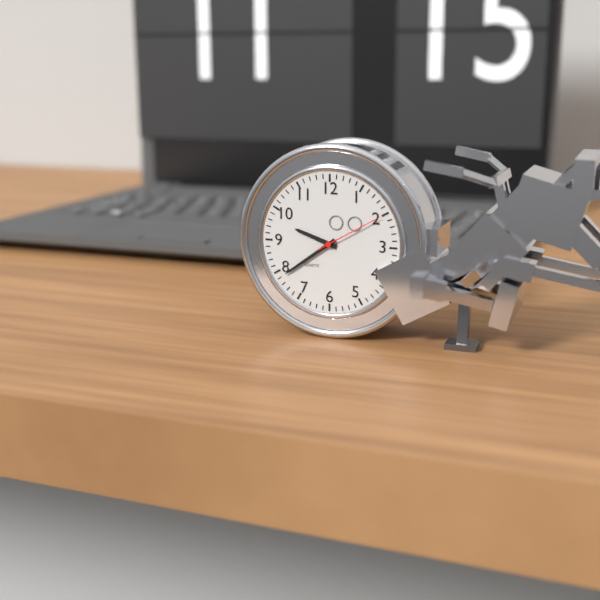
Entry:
h=9 m=39 s=10
